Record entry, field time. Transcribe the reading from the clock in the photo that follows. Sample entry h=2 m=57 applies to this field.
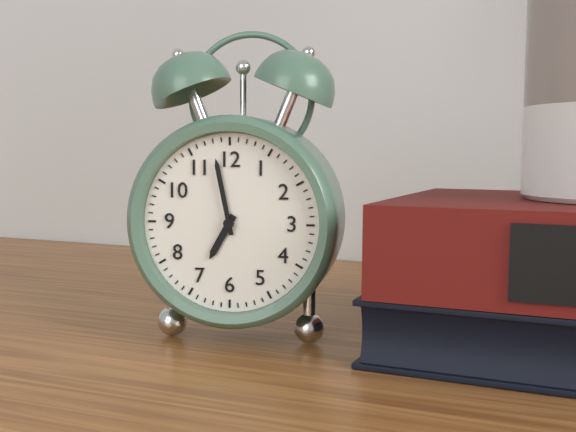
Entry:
h=6 m=58
